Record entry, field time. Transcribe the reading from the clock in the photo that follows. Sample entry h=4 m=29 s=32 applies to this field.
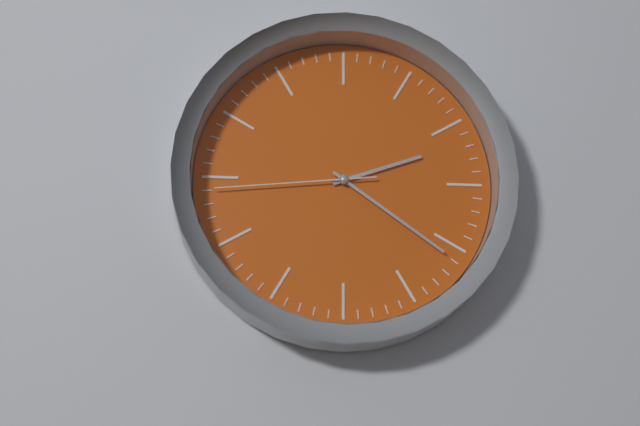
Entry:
h=2 m=21 s=44
